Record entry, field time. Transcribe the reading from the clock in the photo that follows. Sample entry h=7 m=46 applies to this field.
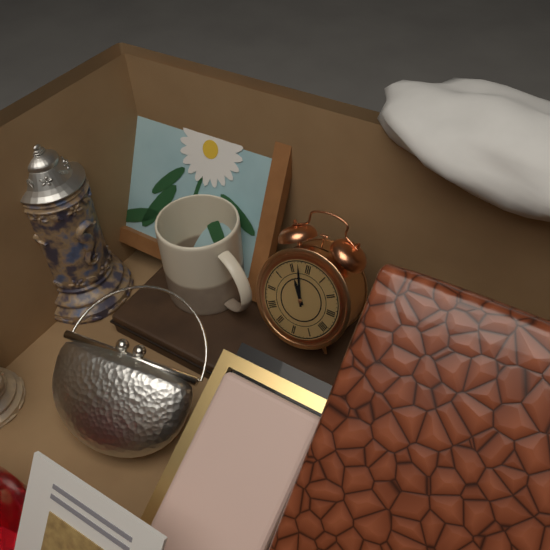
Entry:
h=10 m=57
